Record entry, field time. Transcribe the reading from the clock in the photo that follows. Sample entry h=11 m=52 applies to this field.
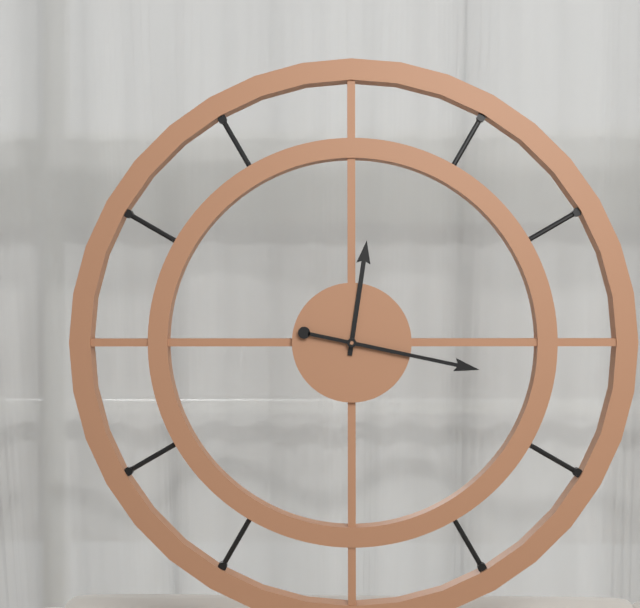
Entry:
h=12 m=17
